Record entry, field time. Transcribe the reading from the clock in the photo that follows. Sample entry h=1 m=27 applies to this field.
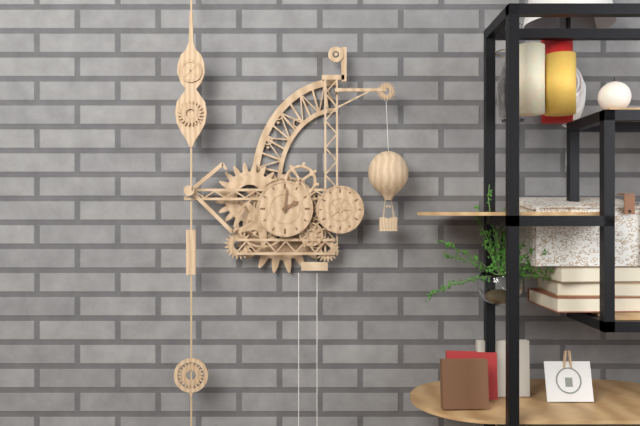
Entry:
h=2 m=1
